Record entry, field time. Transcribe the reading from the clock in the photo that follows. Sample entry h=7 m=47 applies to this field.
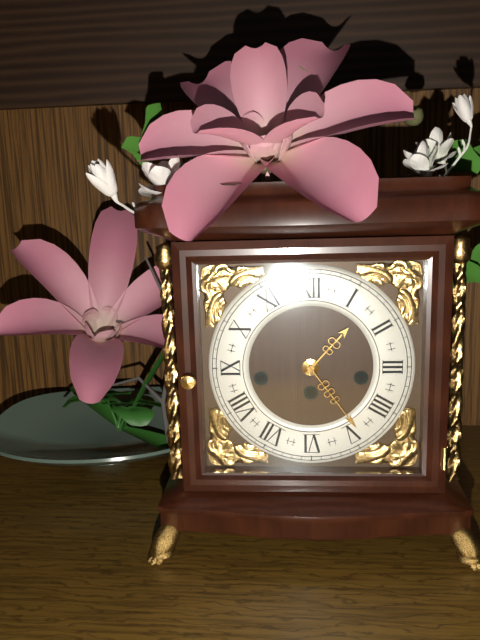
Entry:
h=1 m=24
